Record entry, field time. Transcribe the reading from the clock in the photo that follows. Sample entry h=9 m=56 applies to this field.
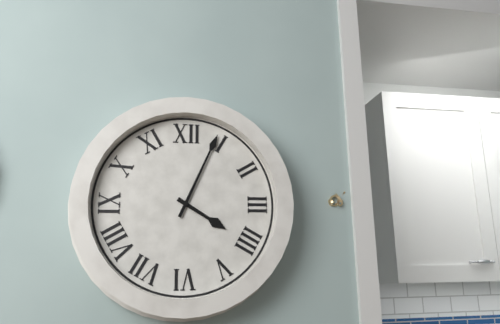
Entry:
h=4 m=4
